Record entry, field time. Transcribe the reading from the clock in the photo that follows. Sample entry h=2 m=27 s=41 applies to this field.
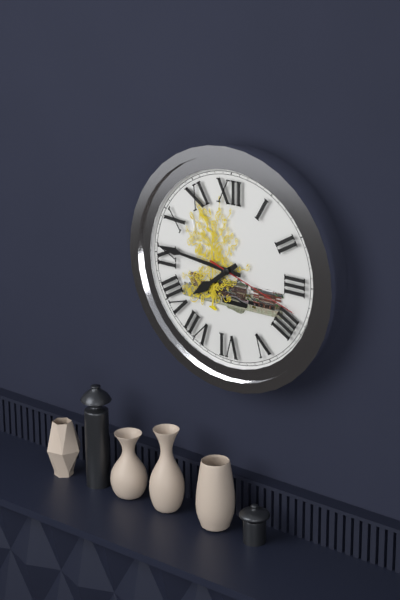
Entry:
h=7 m=46 s=18
